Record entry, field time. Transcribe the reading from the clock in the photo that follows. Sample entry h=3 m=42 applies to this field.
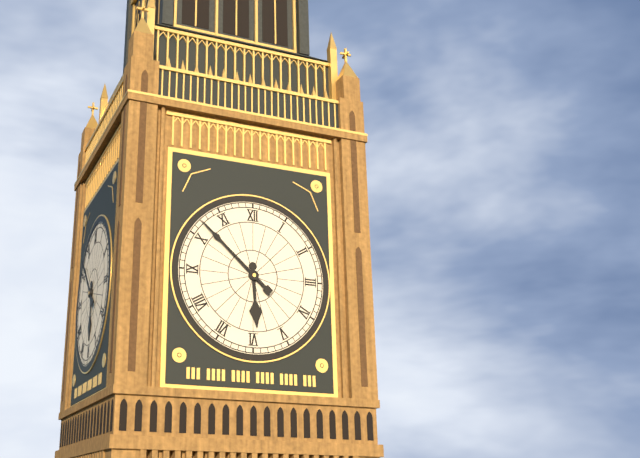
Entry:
h=5 m=52
